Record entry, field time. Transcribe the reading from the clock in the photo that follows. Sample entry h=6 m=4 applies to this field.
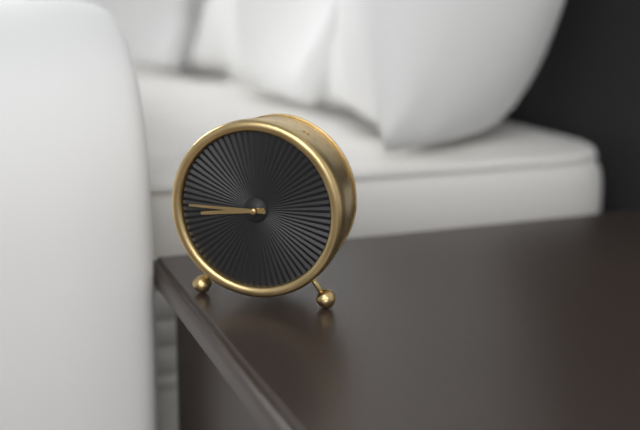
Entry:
h=8 m=45
